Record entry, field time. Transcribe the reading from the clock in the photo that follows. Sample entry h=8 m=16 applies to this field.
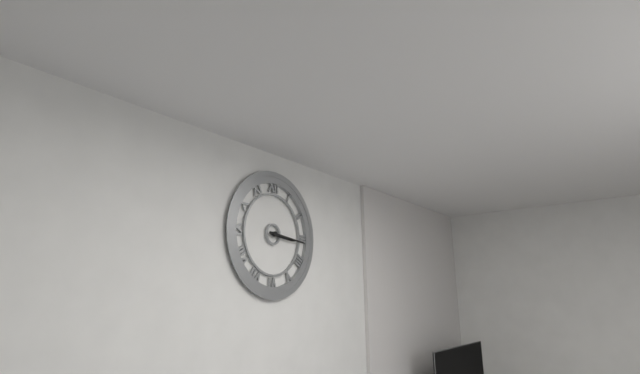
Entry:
h=3 m=16
